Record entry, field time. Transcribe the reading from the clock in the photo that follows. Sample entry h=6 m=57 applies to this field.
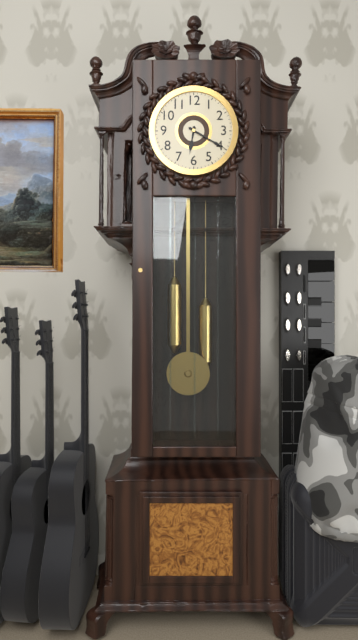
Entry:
h=6 m=20
